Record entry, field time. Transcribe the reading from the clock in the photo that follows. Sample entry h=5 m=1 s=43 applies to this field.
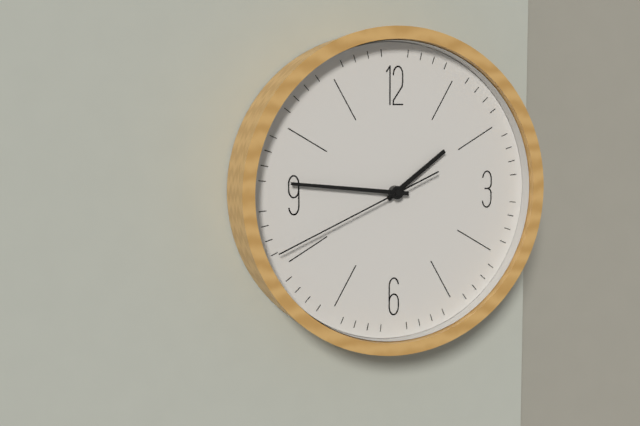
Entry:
h=1 m=46 s=41
